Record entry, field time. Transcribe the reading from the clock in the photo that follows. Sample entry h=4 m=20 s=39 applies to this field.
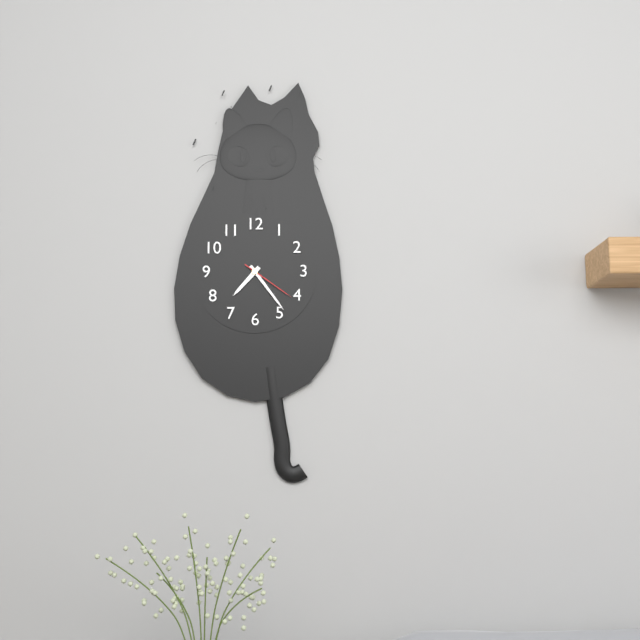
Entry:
h=7 m=24 s=21
